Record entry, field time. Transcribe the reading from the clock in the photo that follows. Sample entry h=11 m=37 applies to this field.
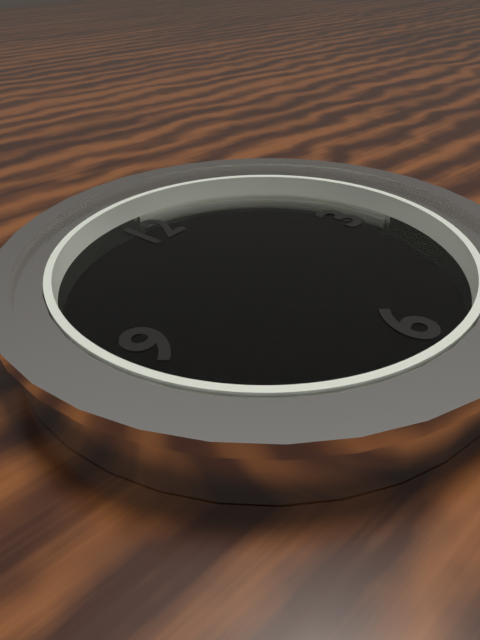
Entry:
h=9 m=38
